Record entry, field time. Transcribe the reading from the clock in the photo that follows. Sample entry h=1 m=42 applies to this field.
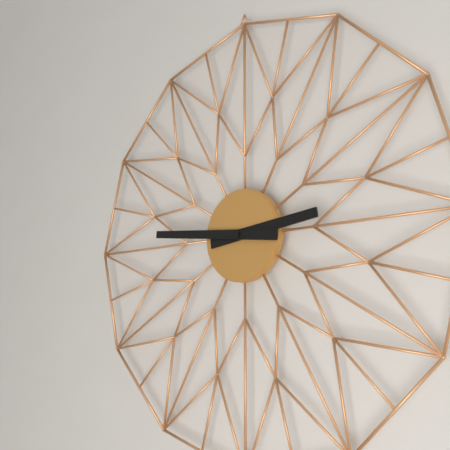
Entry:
h=2 m=46
